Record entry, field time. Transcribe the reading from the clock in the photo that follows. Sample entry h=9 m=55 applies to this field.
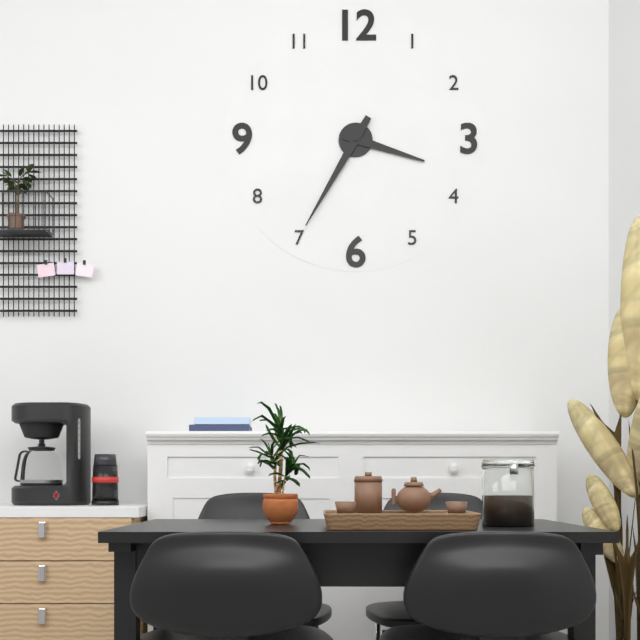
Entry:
h=3 m=35
